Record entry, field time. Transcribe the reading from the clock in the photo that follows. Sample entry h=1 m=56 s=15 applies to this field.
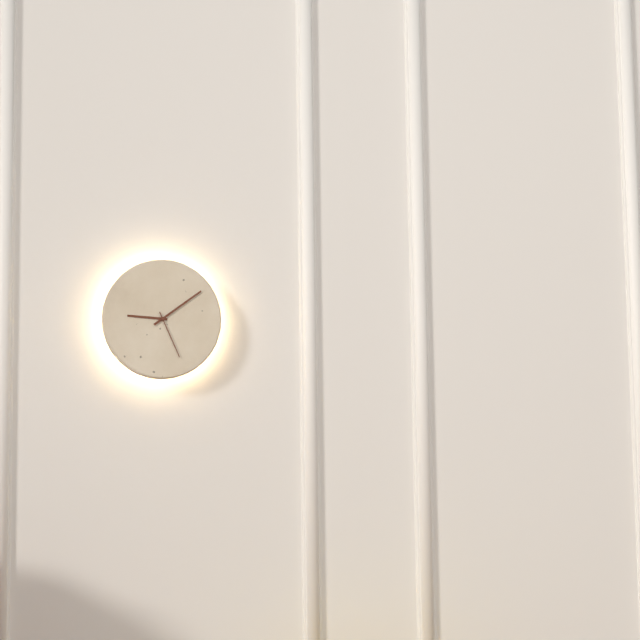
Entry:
h=9 m=9 s=26
